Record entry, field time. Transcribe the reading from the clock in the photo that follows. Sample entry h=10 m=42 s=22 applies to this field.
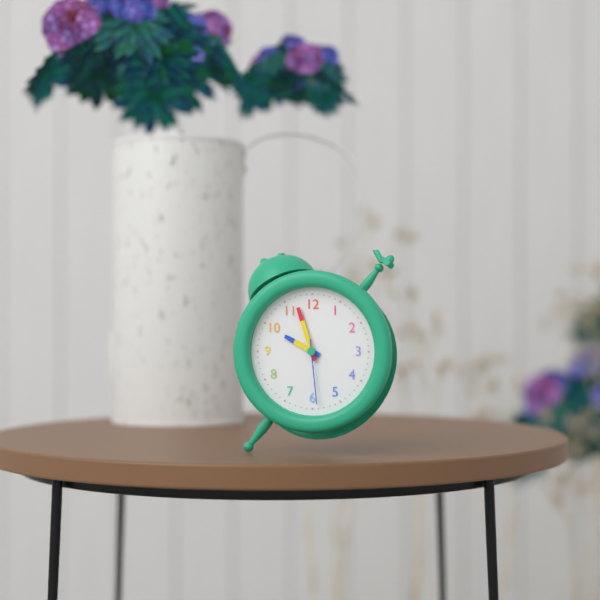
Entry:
h=9 m=57 s=29
